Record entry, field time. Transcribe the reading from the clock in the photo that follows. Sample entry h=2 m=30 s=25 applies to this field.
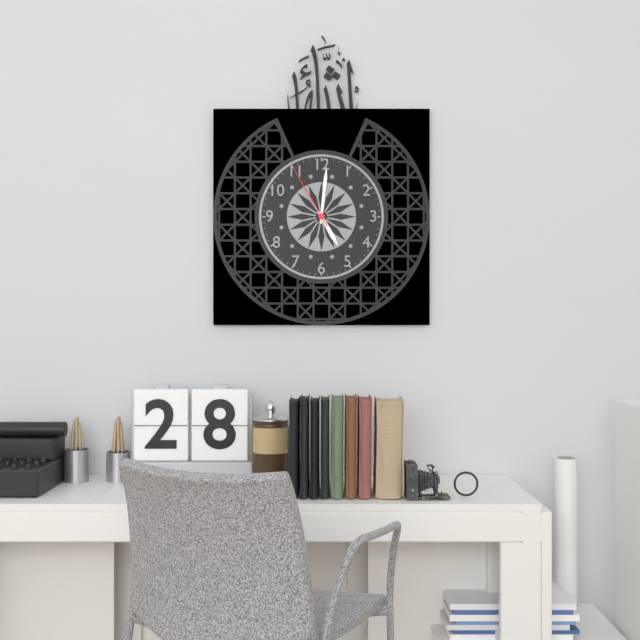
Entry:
h=5 m=1 s=55
